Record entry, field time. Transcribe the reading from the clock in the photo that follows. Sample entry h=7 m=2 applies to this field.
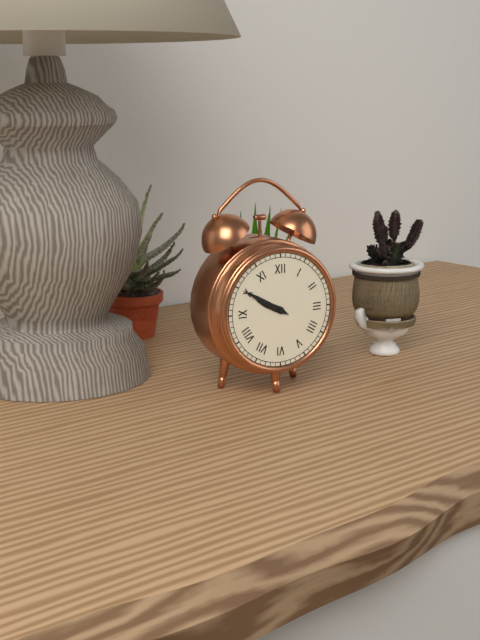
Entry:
h=9 m=50
